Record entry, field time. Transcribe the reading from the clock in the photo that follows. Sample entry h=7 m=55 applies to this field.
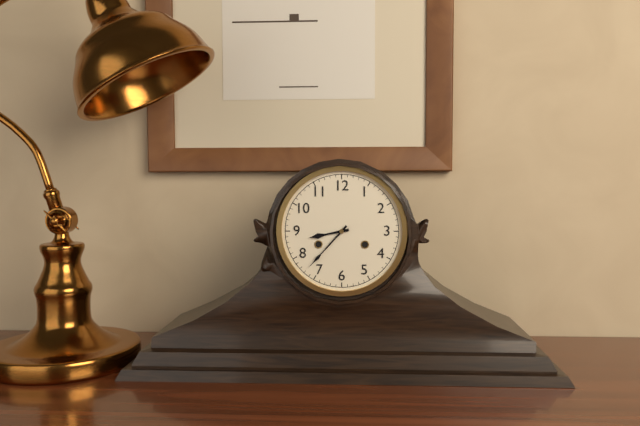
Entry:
h=8 m=37
